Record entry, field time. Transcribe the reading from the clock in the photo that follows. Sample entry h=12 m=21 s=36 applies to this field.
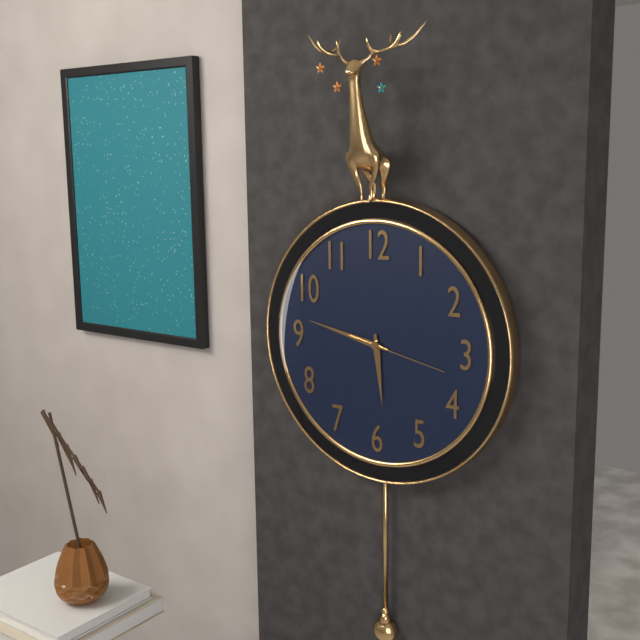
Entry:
h=5 m=47 s=17
